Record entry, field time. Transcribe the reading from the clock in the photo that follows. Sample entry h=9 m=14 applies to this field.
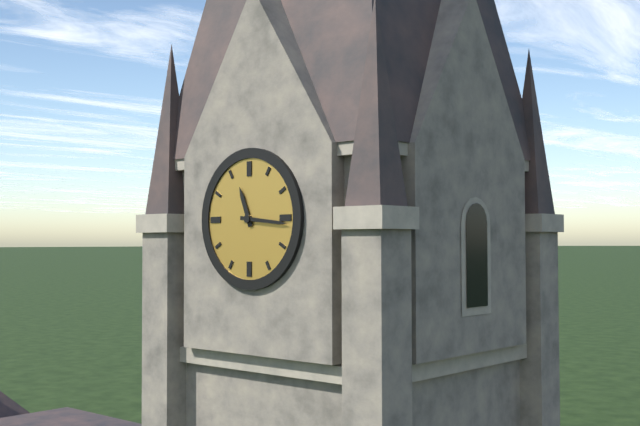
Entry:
h=11 m=16
